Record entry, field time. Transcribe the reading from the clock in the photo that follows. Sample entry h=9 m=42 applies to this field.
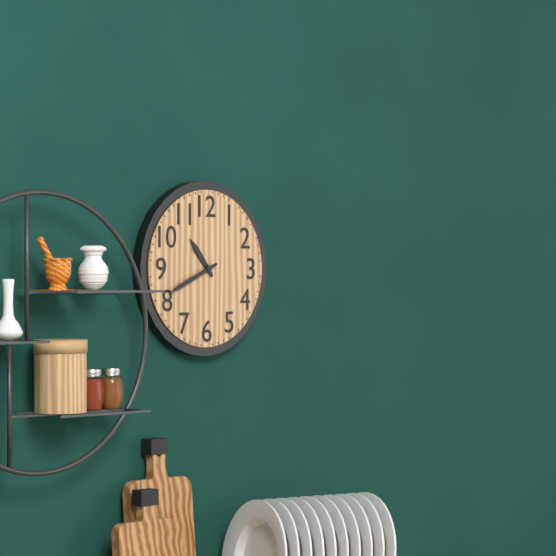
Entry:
h=10 m=41
